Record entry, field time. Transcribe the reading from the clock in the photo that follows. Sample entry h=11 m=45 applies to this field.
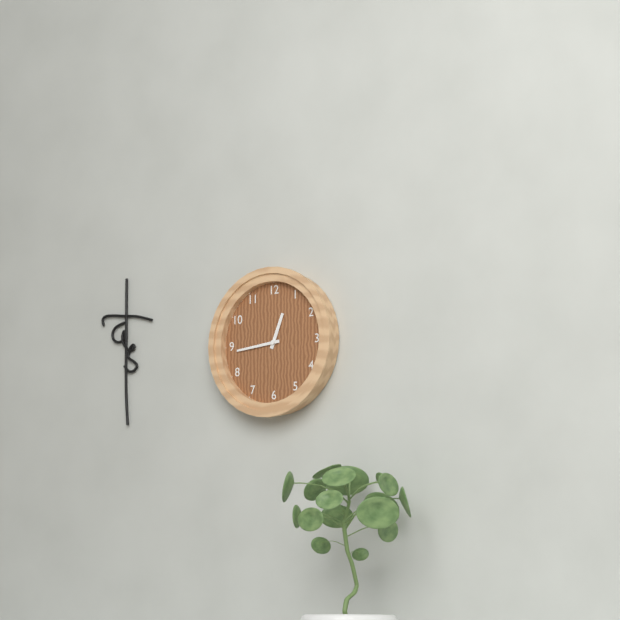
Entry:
h=12 m=44
